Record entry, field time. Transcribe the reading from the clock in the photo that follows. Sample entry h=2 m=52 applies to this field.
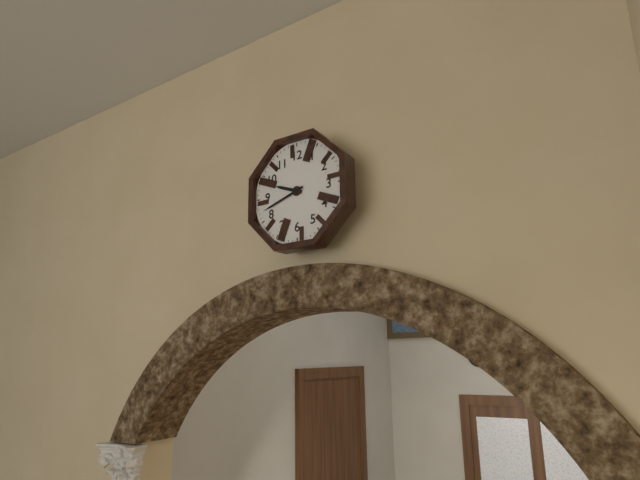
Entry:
h=9 m=42
